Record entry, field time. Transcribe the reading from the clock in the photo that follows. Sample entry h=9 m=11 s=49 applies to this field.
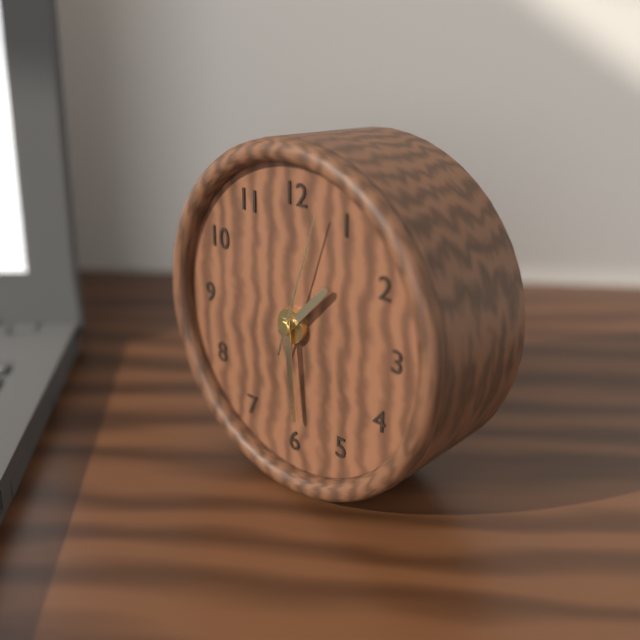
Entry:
h=1 m=29 s=3
